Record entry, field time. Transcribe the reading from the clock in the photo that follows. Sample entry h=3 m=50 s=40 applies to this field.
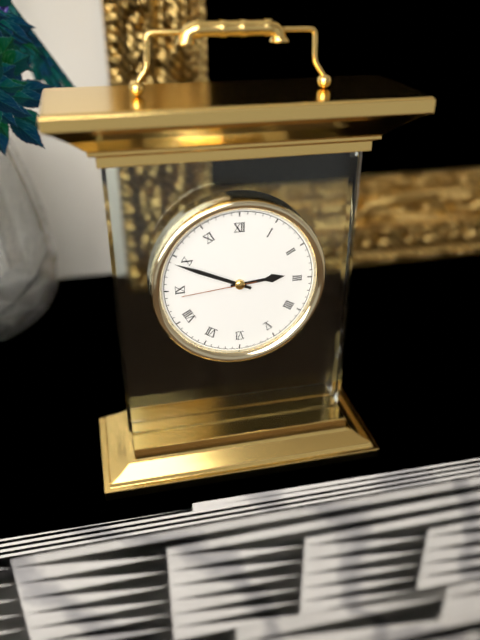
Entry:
h=2 m=49 s=44
